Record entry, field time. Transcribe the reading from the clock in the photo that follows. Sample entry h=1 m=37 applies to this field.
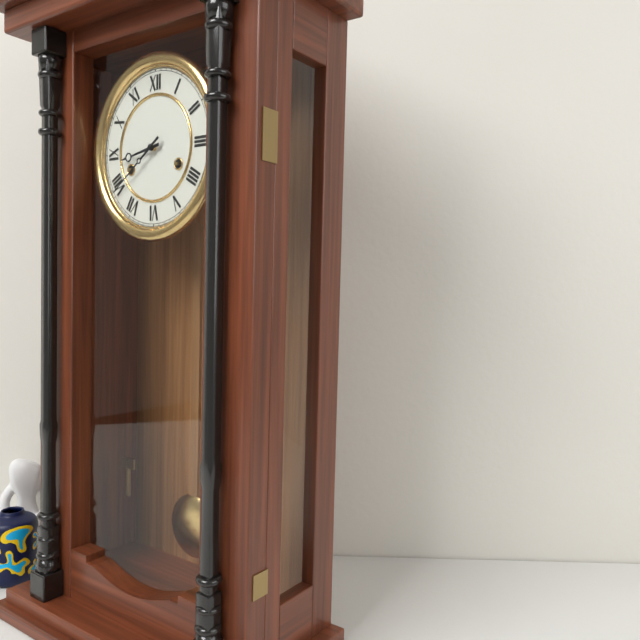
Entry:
h=8 m=39
